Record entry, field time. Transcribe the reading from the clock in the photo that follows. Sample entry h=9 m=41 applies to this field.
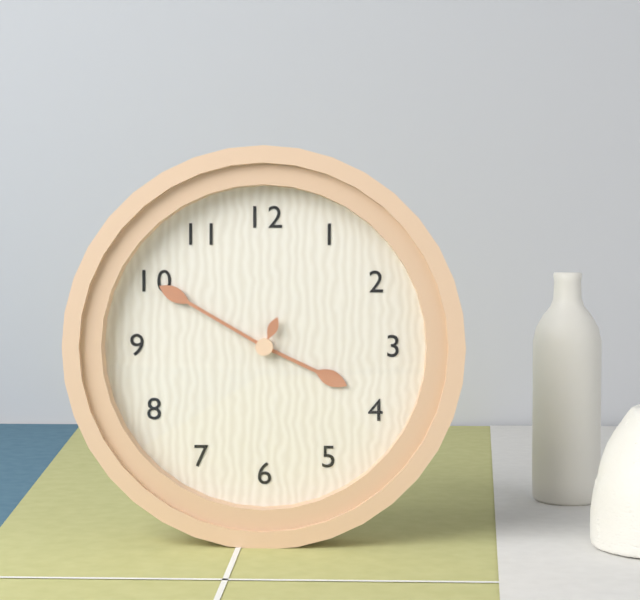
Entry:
h=3 m=50
